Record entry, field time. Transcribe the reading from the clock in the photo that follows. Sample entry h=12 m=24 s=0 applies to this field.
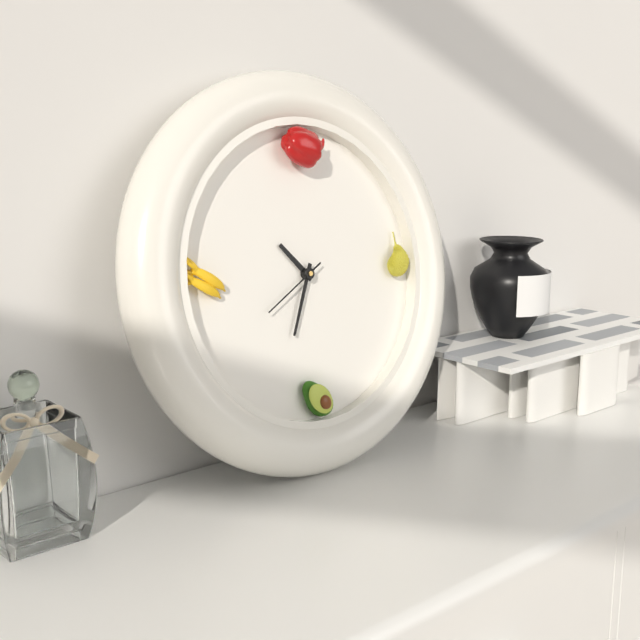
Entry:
h=10 m=34 s=40
